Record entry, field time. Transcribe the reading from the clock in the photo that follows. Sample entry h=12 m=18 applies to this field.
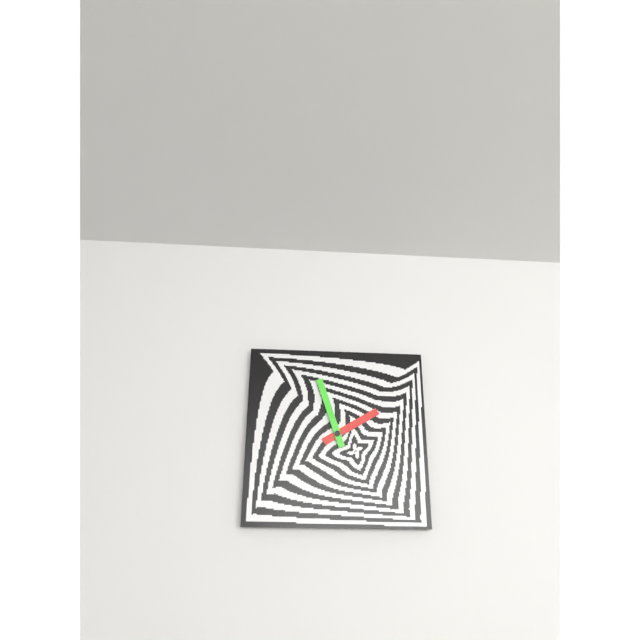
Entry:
h=1 m=57
